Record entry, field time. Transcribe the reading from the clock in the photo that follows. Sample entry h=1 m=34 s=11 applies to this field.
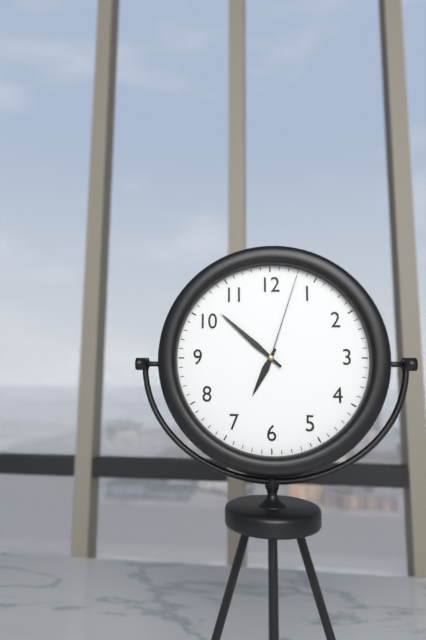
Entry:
h=6 m=52 s=3
